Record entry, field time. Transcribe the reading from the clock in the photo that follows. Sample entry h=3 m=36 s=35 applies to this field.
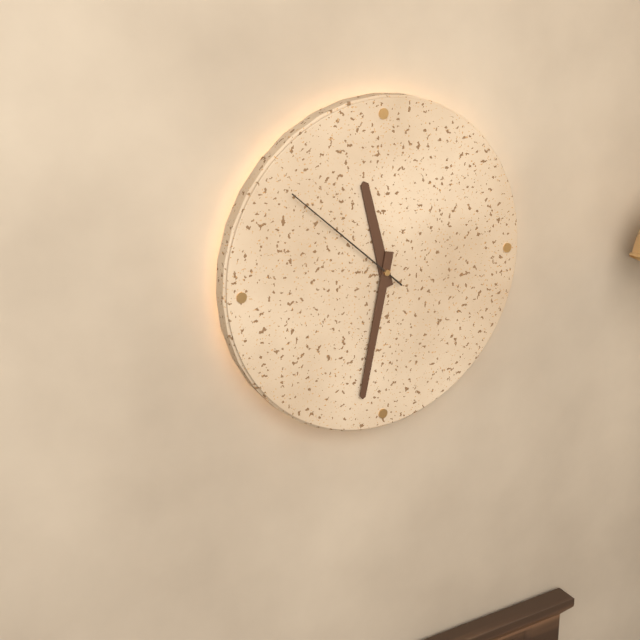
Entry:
h=11 m=32 s=52
